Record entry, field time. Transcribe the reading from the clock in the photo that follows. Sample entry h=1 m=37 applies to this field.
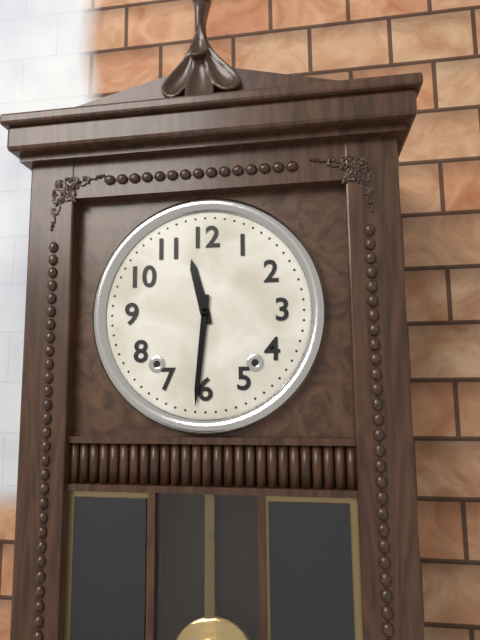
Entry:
h=11 m=31
